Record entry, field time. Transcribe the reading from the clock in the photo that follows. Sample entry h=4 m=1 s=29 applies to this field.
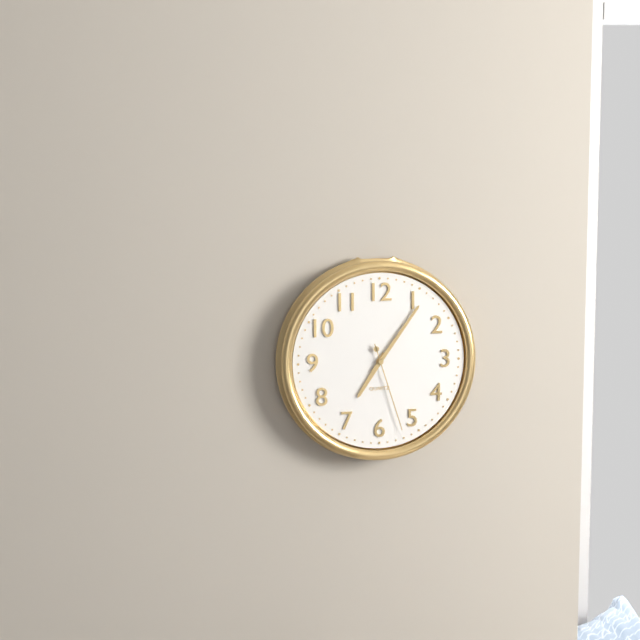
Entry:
h=7 m=6 s=27
